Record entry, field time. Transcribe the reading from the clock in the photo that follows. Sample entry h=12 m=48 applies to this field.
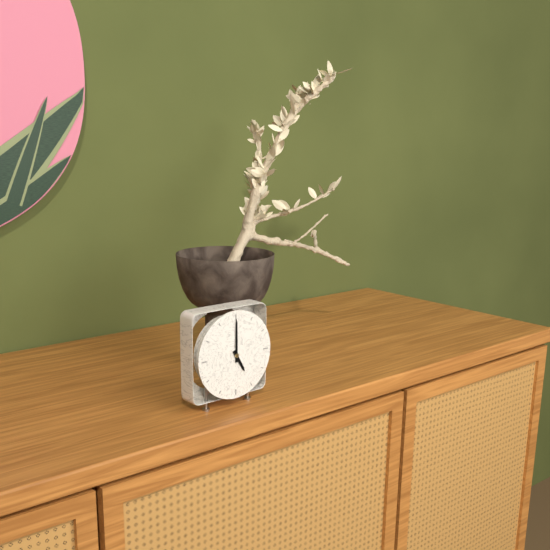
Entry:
h=5 m=0
